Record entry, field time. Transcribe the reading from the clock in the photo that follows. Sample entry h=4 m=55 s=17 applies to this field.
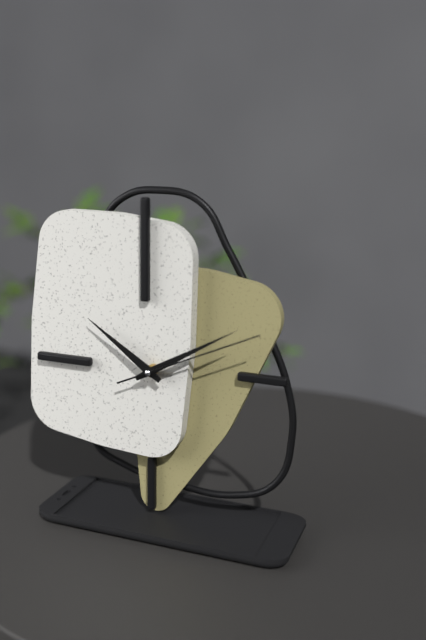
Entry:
h=10 m=10 s=11
